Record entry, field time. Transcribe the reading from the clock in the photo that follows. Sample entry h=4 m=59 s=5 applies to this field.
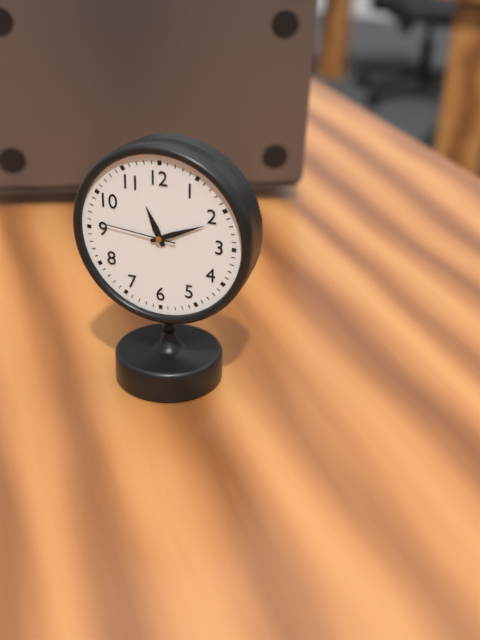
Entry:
h=11 m=11 s=46
